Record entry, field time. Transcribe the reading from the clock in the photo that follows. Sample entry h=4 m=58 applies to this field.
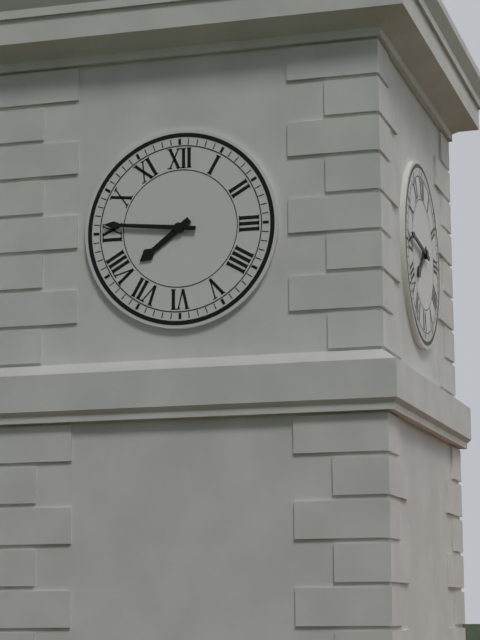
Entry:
h=7 m=46
